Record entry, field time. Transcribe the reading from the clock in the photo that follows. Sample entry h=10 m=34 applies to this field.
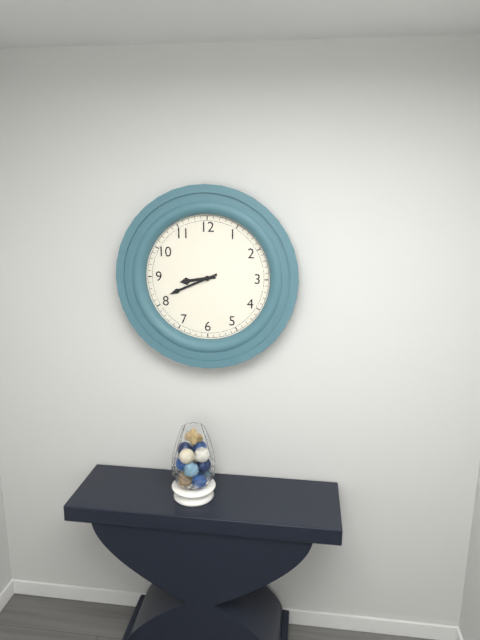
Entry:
h=8 m=41
